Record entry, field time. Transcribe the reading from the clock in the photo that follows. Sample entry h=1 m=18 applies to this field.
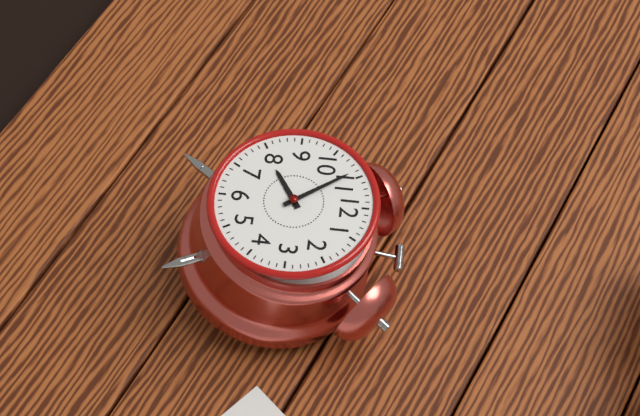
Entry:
h=7 m=54
